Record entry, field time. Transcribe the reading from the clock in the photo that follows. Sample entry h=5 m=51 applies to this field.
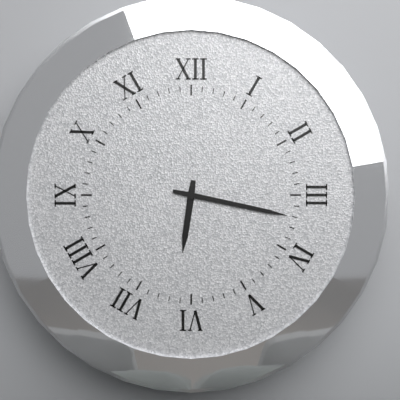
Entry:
h=6 m=17
